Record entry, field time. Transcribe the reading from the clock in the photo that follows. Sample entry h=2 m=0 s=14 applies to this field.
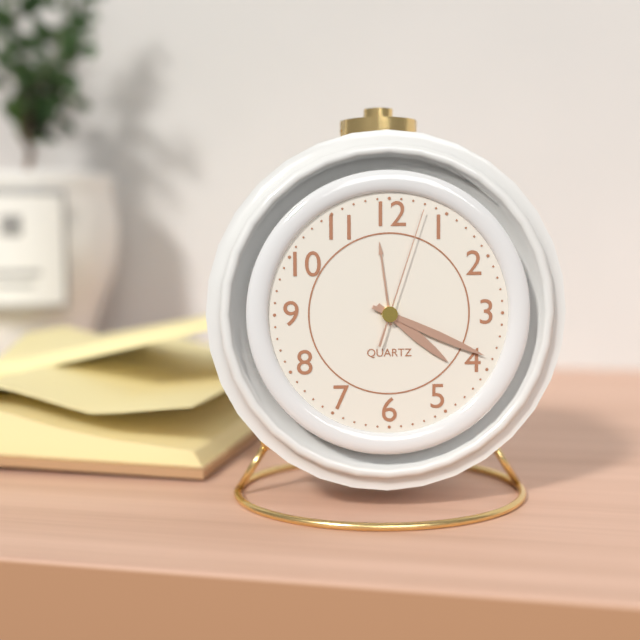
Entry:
h=4 m=19 s=3
